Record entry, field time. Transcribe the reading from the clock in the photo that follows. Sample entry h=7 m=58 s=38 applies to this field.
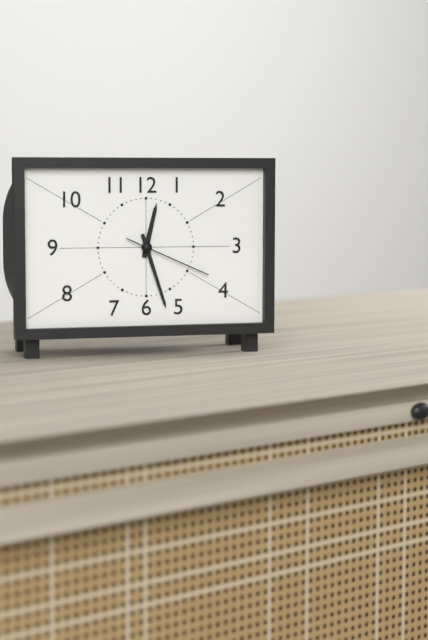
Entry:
h=12 m=27 s=19
